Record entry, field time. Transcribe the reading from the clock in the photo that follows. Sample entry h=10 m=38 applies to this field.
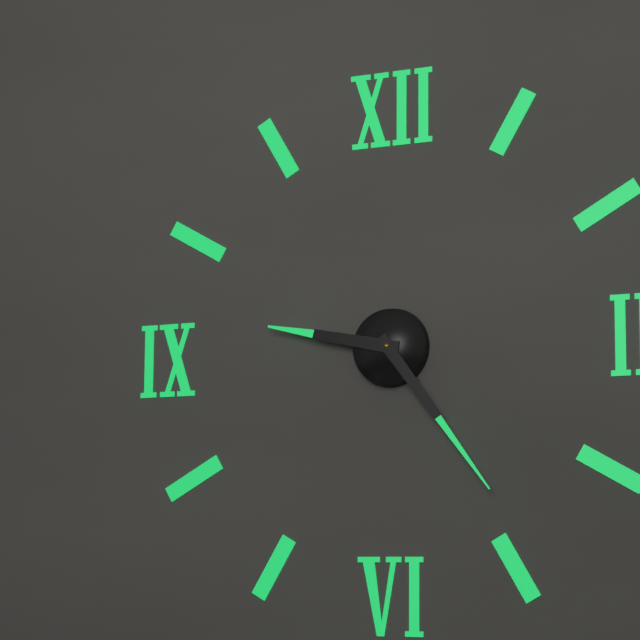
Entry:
h=9 m=24
